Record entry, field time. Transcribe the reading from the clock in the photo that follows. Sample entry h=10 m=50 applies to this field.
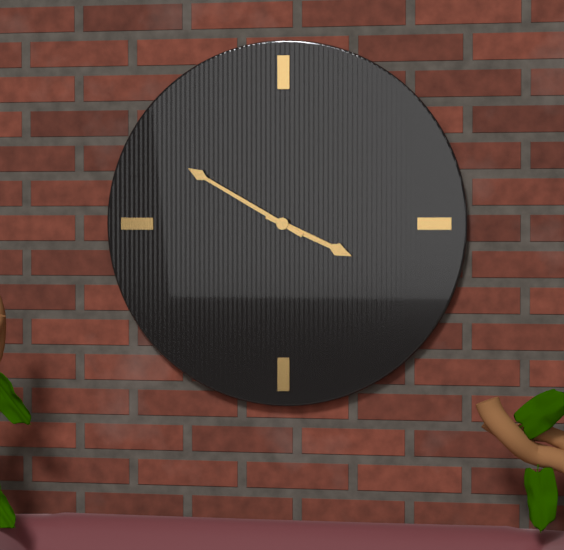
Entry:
h=3 m=50
